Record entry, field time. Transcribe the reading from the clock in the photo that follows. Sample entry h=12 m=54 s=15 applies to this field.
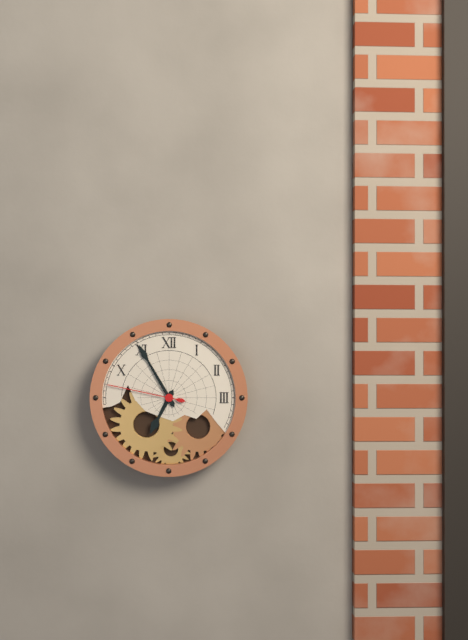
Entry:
h=6 m=55 s=47
